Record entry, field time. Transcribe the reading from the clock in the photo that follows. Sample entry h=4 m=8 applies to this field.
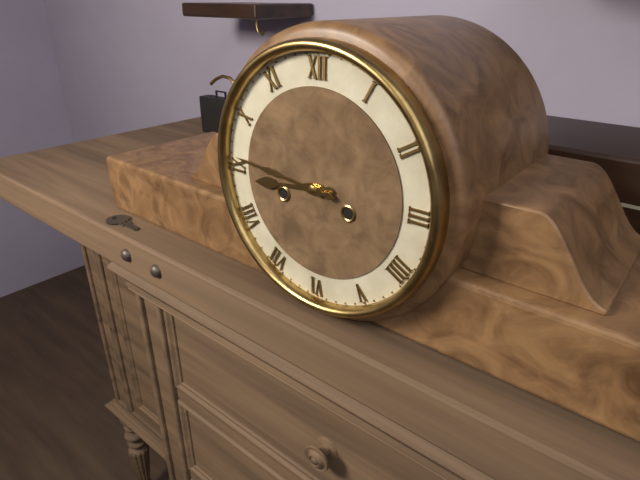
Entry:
h=8 m=46
